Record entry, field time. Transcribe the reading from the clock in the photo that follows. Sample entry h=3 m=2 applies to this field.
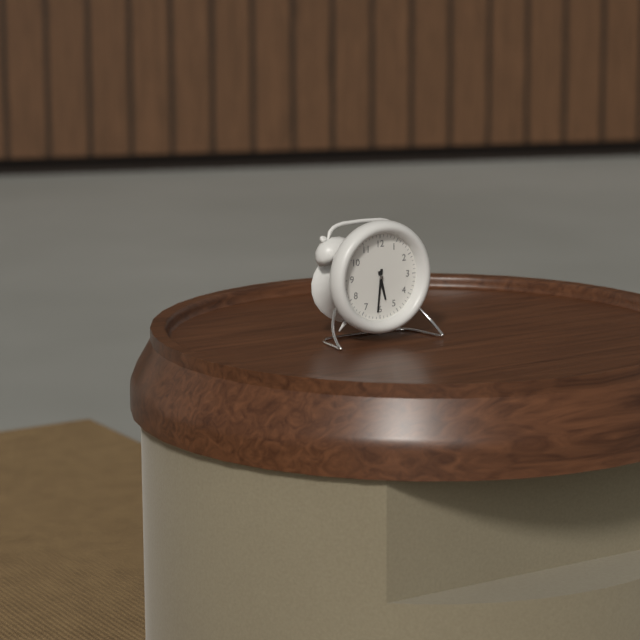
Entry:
h=5 m=31
